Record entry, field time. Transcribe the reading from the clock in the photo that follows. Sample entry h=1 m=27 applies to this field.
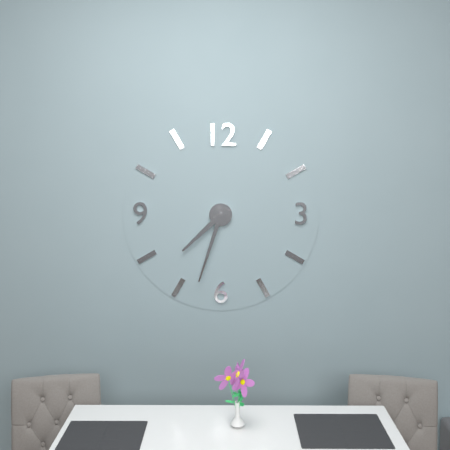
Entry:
h=7 m=33
